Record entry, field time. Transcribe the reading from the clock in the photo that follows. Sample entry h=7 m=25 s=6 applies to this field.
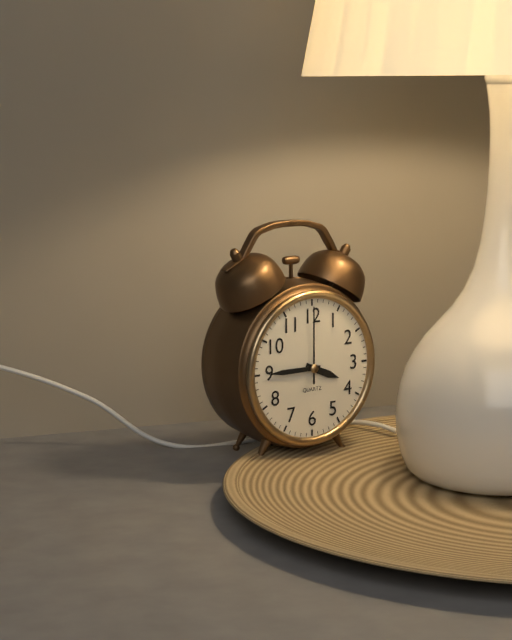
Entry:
h=3 m=45 s=0
